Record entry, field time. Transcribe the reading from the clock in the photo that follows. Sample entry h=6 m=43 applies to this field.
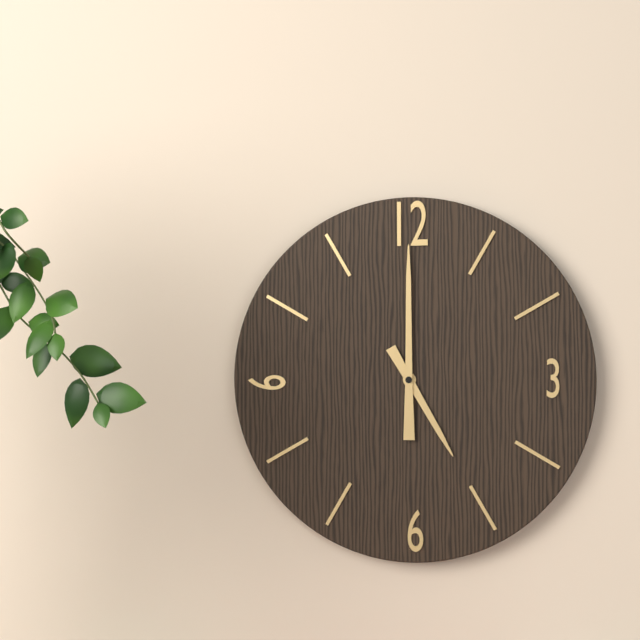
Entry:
h=5 m=0
